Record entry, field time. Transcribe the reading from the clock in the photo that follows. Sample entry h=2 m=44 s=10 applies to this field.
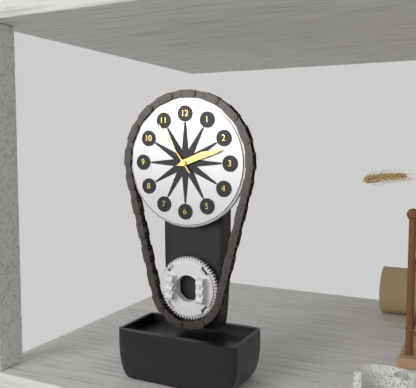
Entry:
h=2 m=12 s=54
